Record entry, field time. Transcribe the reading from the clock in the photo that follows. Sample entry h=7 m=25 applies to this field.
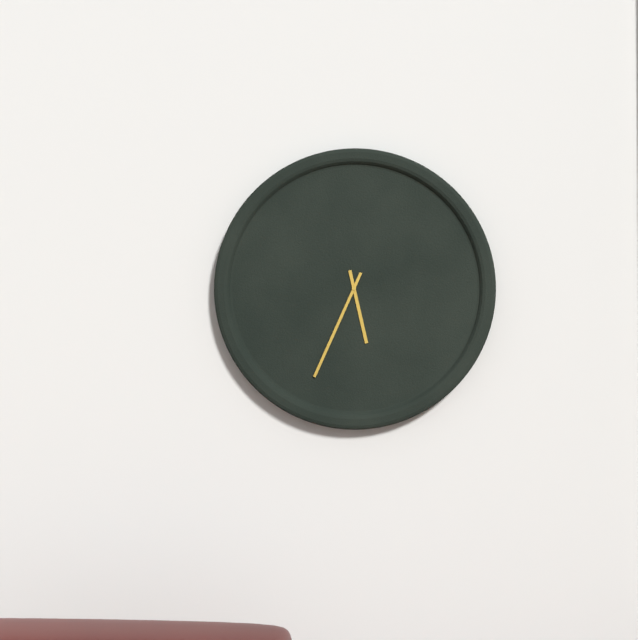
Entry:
h=5 m=34
